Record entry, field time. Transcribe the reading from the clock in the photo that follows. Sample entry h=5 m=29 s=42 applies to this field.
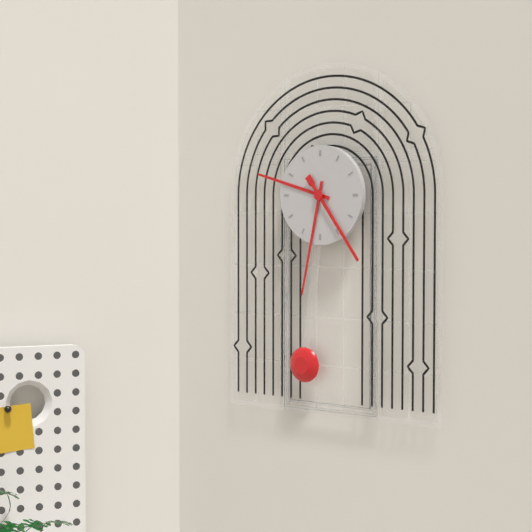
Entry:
h=9 m=32 s=24
